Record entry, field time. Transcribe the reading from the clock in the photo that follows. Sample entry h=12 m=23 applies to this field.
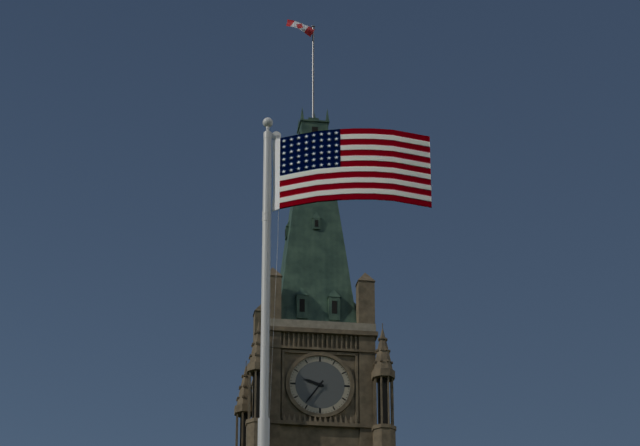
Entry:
h=9 m=36
